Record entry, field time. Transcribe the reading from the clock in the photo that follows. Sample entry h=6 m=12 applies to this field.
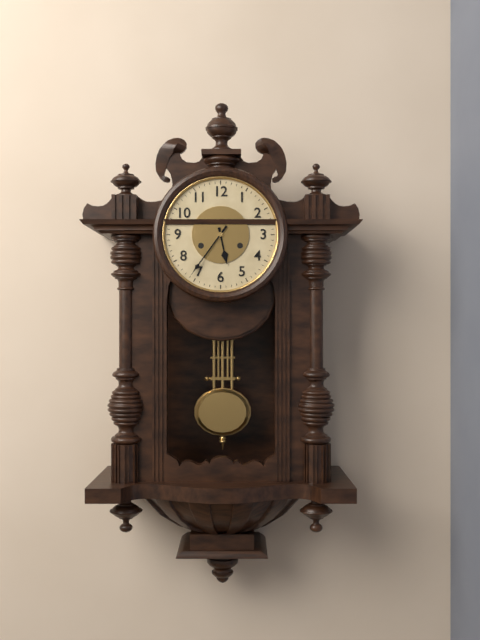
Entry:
h=5 m=36
